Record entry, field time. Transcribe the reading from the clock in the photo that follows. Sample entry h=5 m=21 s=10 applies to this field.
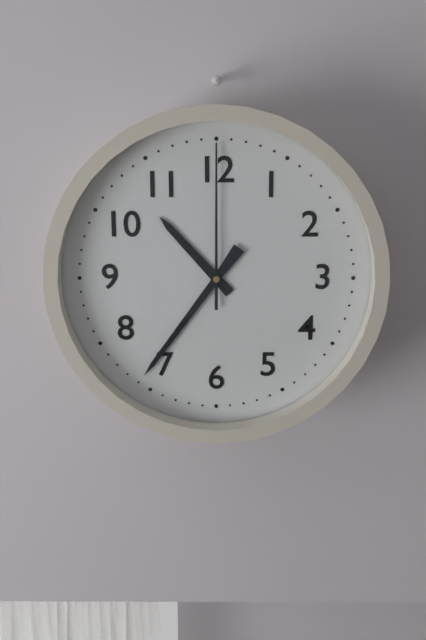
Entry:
h=10 m=36 s=0
